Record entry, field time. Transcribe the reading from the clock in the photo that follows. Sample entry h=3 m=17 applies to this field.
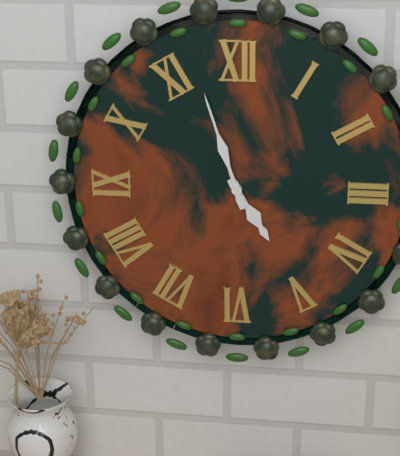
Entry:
h=4 m=57
